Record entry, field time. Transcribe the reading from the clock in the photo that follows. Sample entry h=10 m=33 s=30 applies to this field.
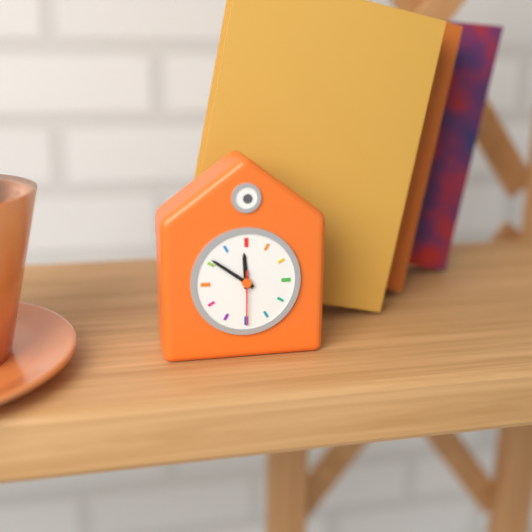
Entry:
h=11 m=51 s=30
